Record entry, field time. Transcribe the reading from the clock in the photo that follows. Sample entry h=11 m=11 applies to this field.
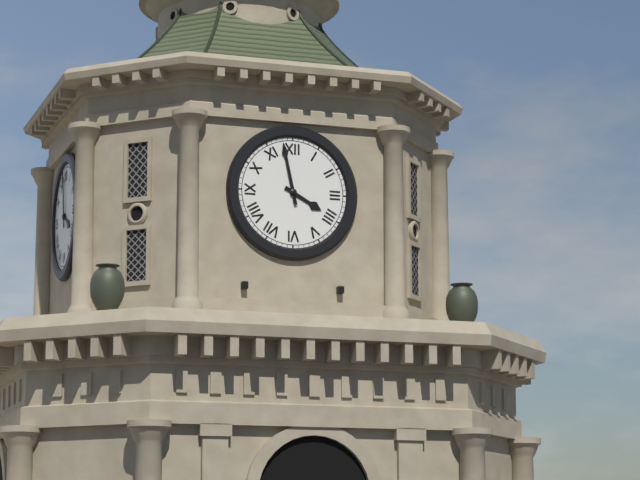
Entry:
h=3 m=58
